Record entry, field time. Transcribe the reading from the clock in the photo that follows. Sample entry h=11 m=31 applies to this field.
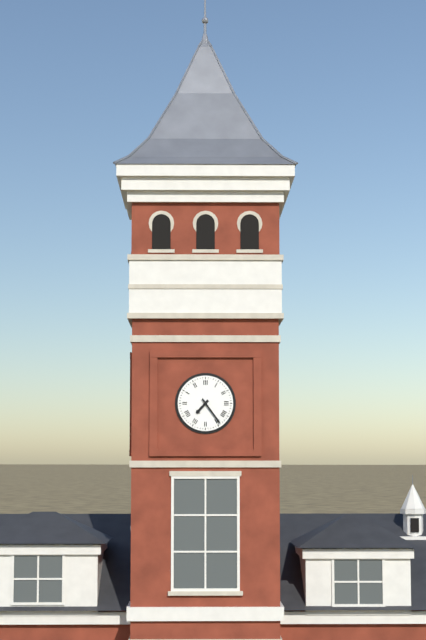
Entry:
h=7 m=24
